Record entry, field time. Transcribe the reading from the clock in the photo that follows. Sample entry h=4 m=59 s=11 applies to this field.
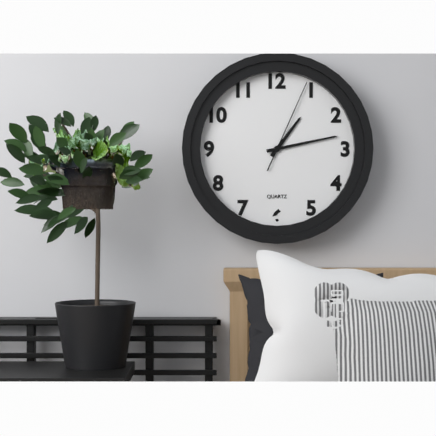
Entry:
h=1 m=13 s=4
